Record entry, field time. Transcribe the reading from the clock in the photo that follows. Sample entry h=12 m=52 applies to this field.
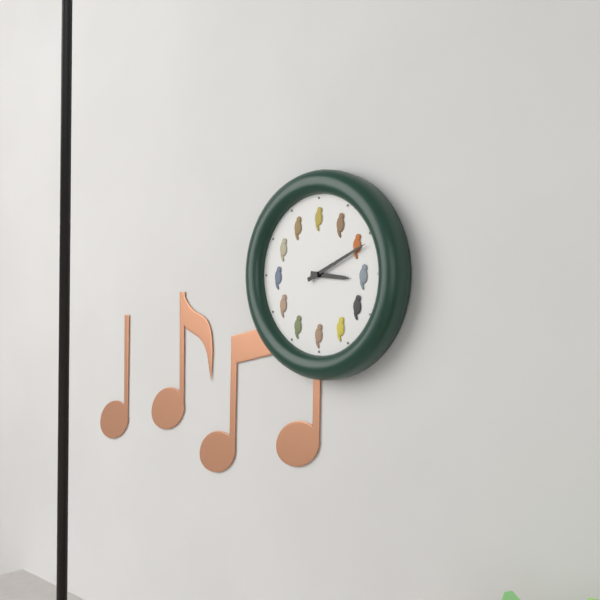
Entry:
h=3 m=11
